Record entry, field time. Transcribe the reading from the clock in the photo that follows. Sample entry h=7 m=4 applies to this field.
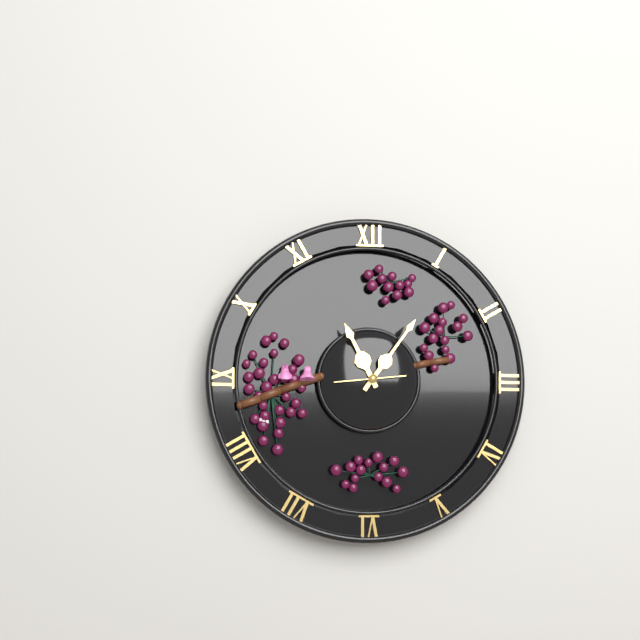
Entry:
h=11 m=6
